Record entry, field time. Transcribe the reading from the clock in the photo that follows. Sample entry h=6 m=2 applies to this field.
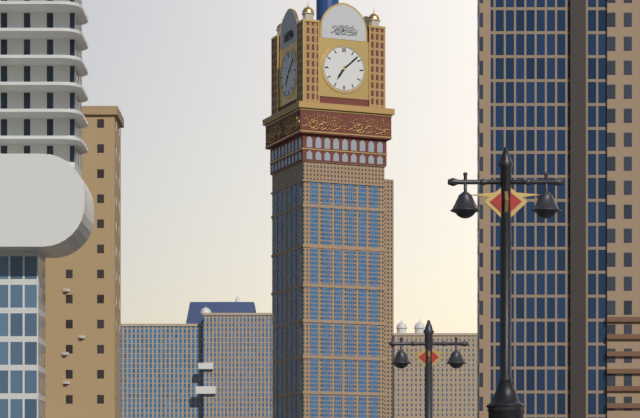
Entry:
h=7 m=8
